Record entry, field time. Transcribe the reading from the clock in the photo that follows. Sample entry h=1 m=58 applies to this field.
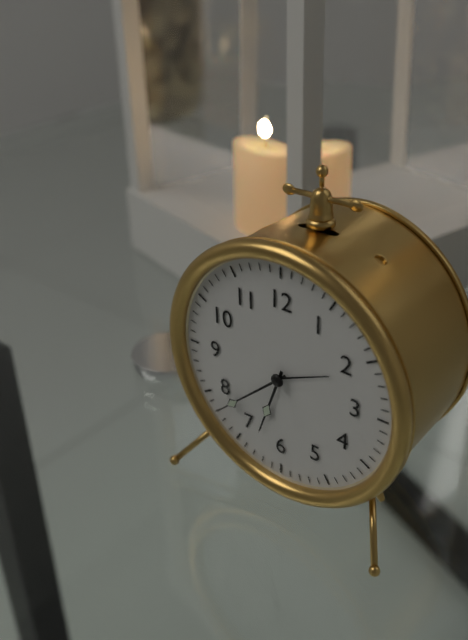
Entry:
h=6 m=38
